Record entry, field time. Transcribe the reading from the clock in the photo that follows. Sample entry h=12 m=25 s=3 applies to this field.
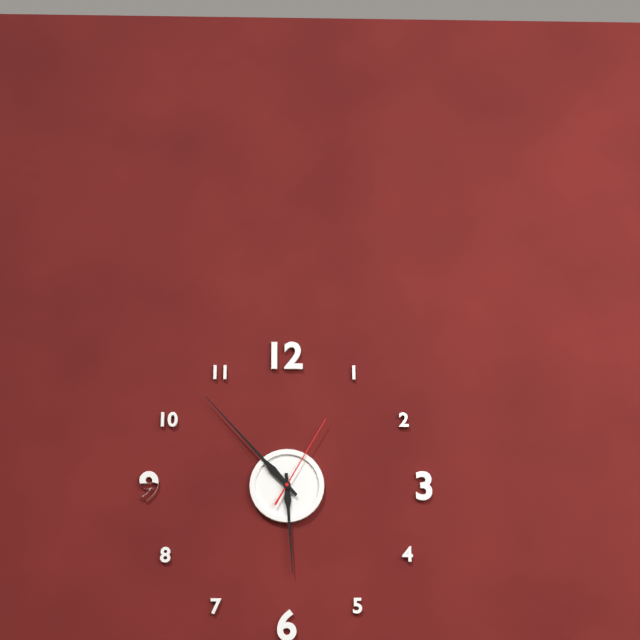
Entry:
h=5 m=53 s=5
